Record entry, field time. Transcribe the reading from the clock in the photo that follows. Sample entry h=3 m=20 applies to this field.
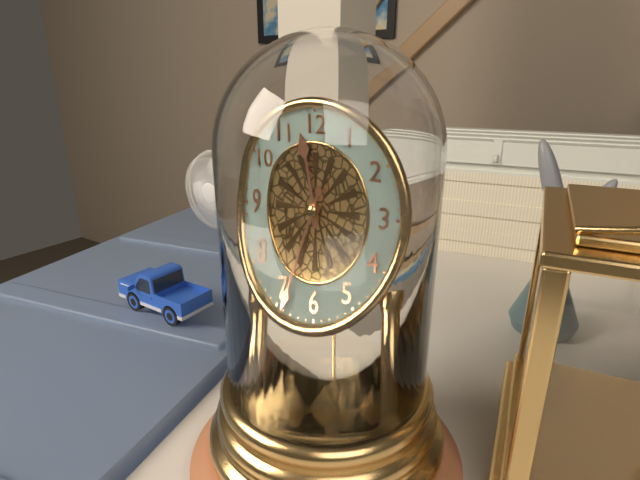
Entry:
h=11 m=34
